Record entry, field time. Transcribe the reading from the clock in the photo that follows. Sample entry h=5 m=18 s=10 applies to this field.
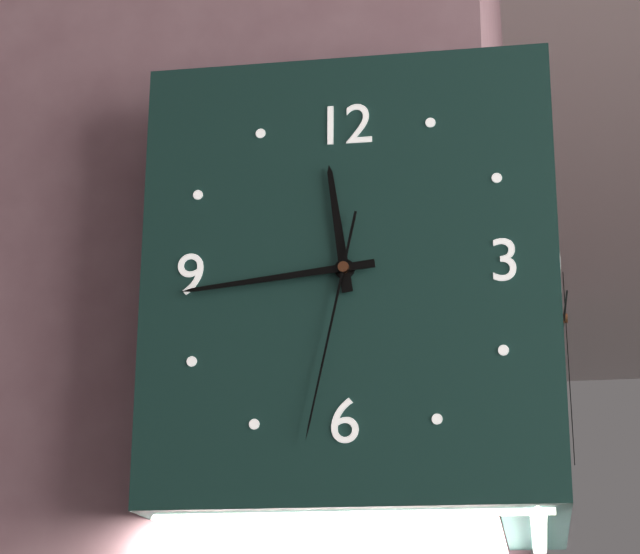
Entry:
h=11 m=44 s=32
